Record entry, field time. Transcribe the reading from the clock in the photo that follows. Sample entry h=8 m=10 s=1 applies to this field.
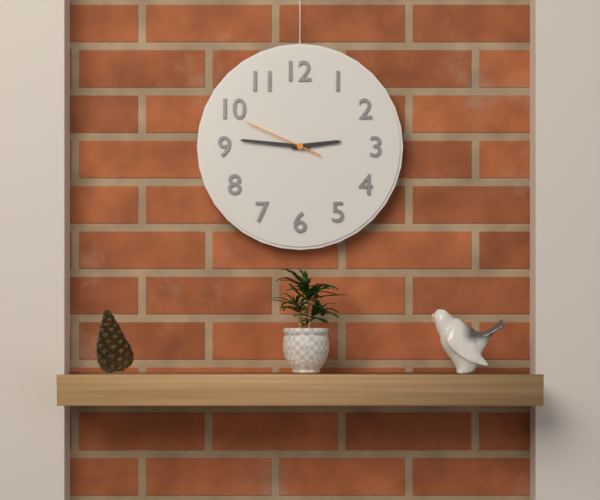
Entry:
h=2 m=46 s=49
